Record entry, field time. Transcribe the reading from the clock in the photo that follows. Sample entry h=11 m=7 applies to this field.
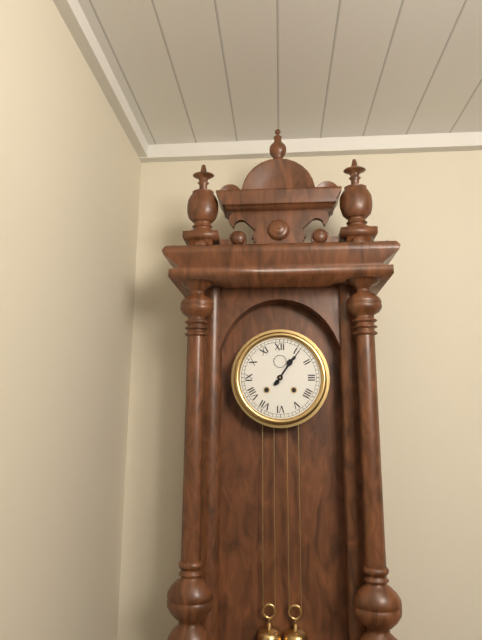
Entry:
h=1 m=6
